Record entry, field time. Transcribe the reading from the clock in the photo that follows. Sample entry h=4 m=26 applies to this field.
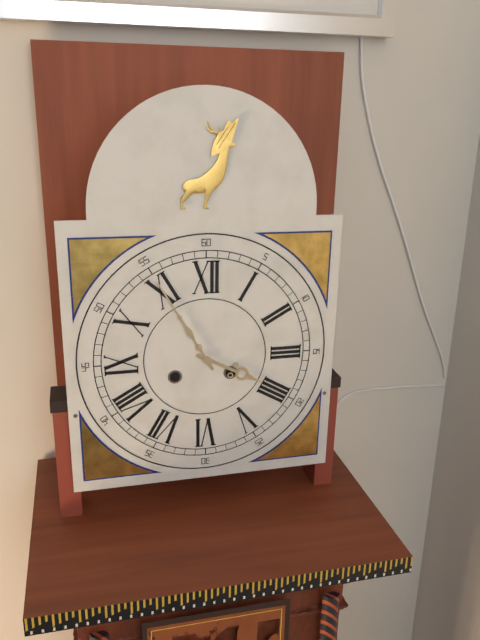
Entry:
h=3 m=55
